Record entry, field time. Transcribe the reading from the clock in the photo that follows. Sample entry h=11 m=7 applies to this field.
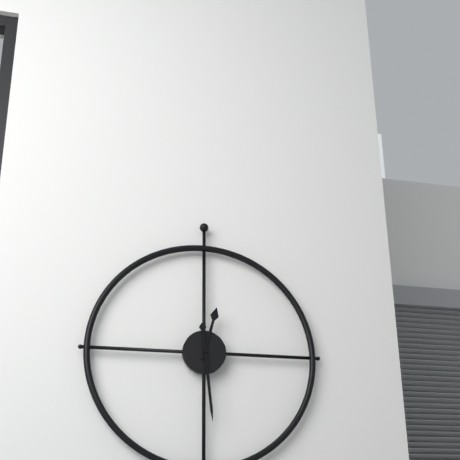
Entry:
h=12 m=29
